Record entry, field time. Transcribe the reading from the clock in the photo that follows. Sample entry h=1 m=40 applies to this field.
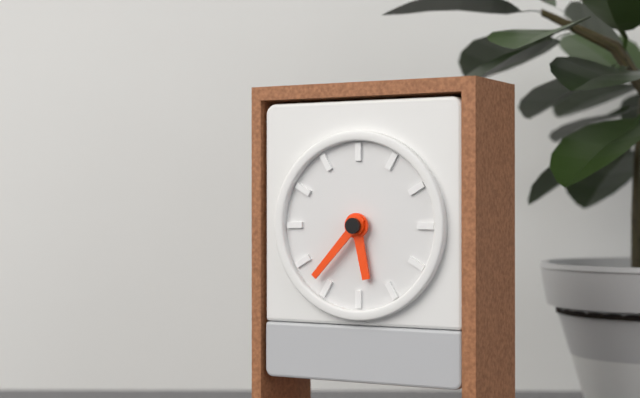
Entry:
h=5 m=37
